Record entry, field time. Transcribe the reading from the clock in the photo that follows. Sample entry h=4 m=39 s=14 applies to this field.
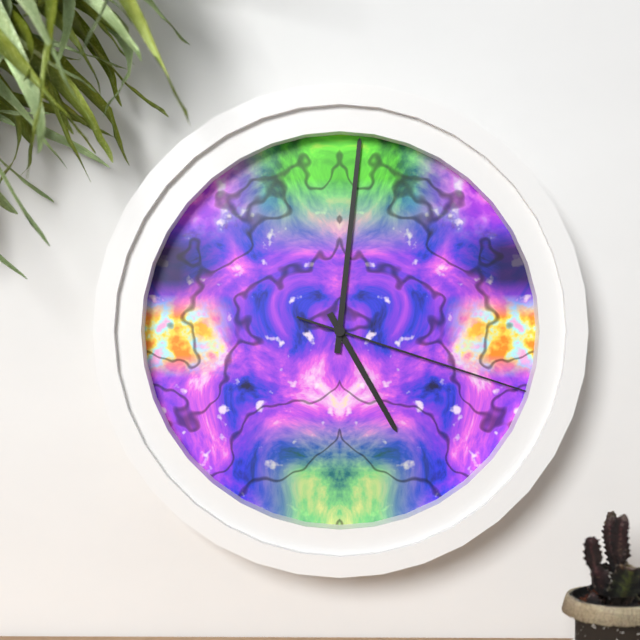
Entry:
h=5 m=1 s=18
